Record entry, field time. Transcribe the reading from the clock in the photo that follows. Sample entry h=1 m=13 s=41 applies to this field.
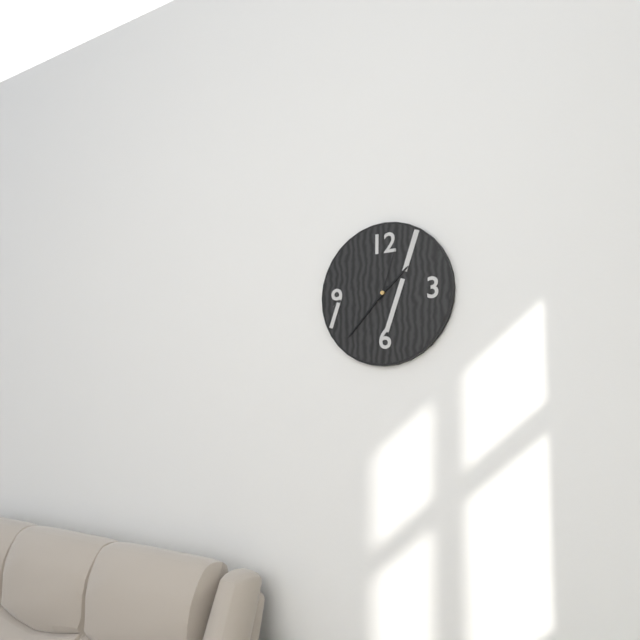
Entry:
h=1 m=37 s=3
